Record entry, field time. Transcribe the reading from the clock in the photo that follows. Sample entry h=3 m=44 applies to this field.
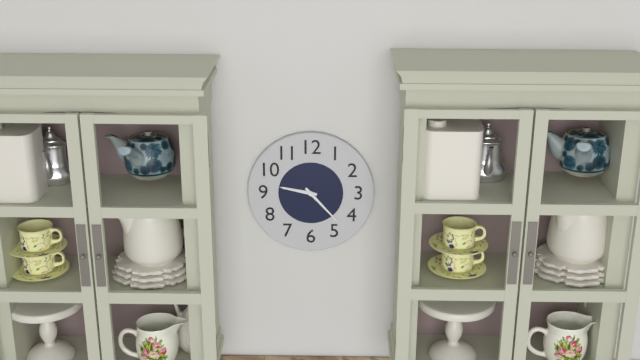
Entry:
h=9 m=23
